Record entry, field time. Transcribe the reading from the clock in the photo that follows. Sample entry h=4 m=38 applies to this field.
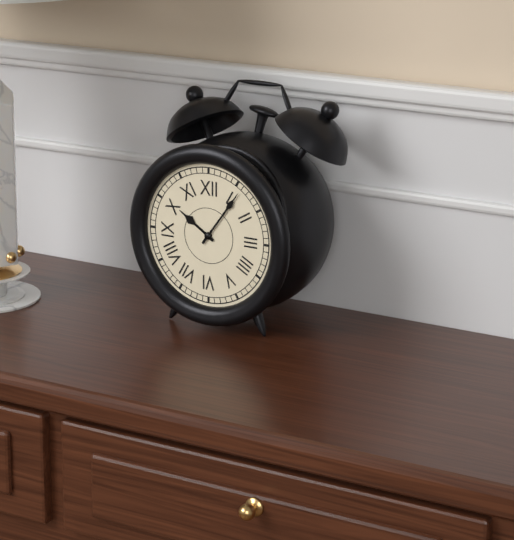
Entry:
h=10 m=6
